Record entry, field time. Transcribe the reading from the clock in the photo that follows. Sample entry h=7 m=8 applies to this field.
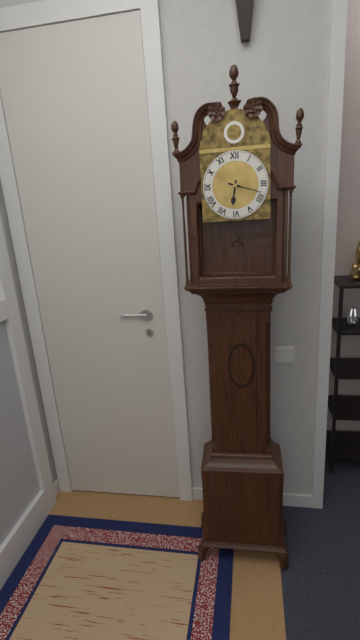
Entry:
h=6 m=18
